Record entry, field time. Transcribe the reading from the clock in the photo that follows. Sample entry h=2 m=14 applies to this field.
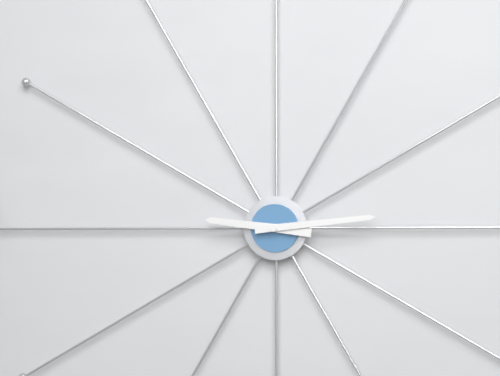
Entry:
h=9 m=14
